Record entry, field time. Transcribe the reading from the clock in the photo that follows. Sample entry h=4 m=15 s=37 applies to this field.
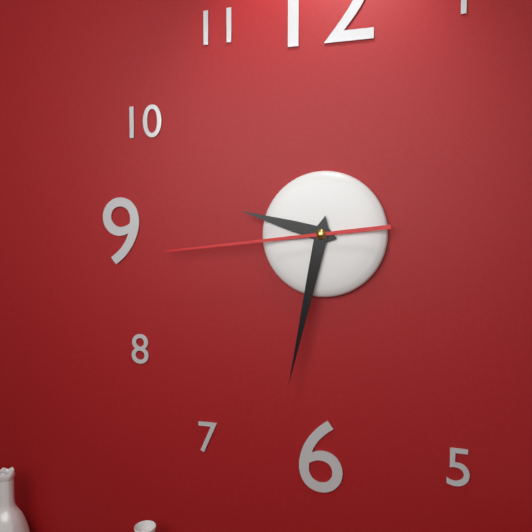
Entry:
h=9 m=32 s=44
